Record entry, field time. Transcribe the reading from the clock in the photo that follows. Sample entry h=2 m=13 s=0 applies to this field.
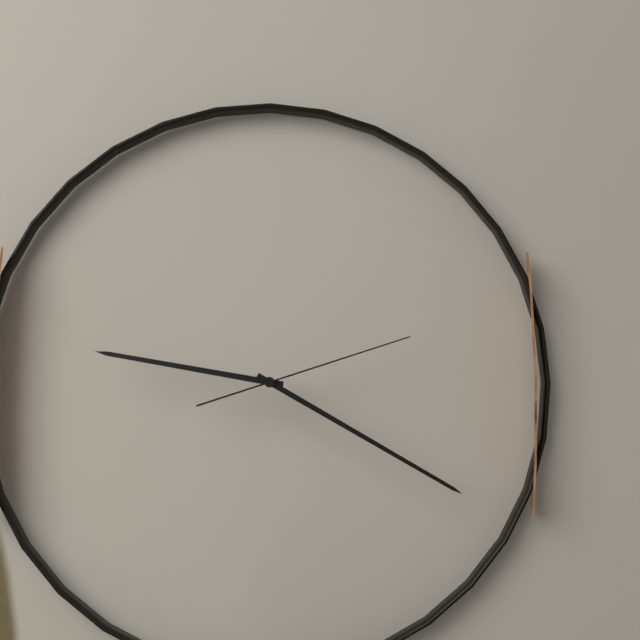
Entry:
h=9 m=20 s=12
